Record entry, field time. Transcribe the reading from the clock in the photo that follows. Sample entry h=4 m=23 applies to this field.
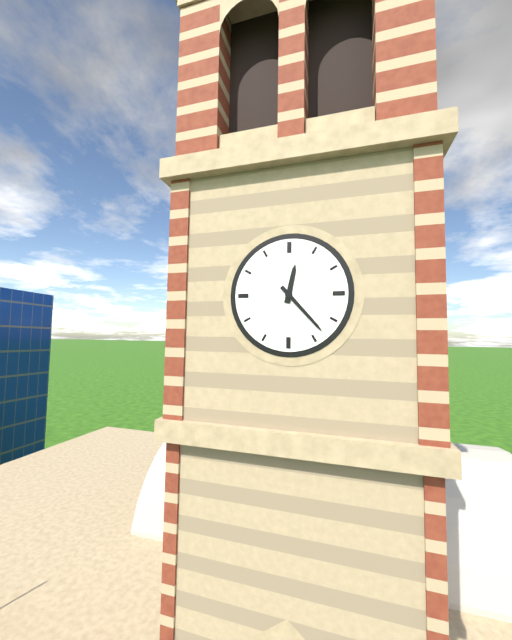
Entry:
h=12 m=23
